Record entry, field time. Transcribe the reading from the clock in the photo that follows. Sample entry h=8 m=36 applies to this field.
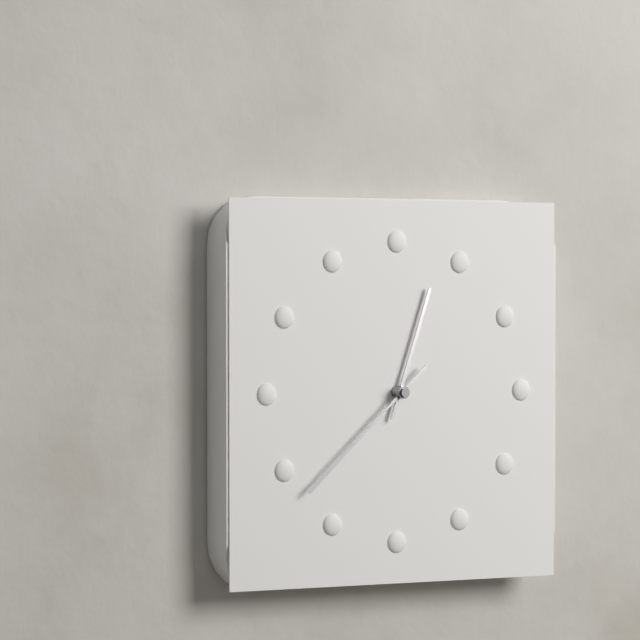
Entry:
h=12 m=38
